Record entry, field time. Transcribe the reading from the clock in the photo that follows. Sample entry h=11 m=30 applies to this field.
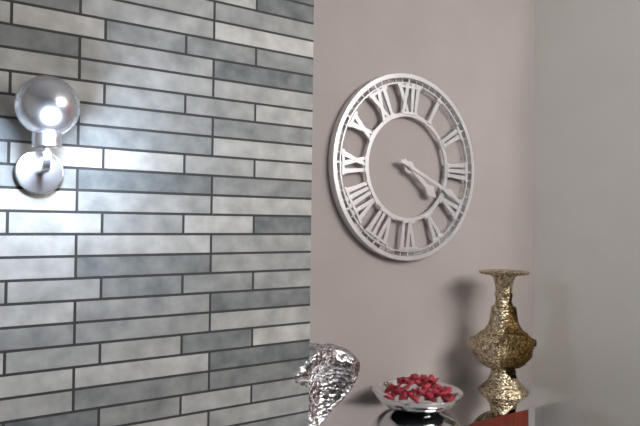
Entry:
h=4 m=19
